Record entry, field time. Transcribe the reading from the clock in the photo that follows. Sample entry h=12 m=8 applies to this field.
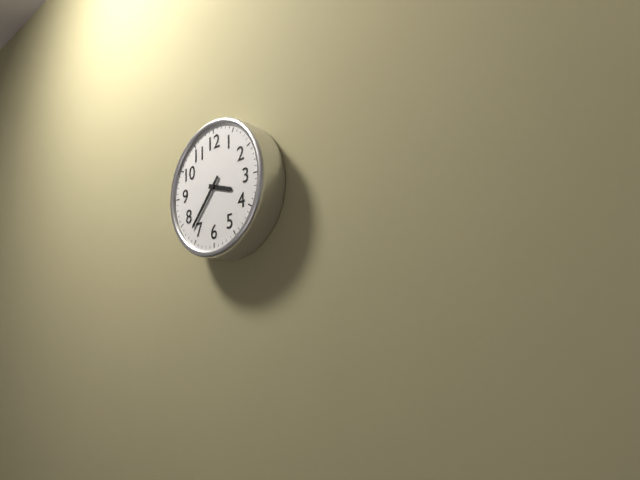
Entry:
h=3 m=37
